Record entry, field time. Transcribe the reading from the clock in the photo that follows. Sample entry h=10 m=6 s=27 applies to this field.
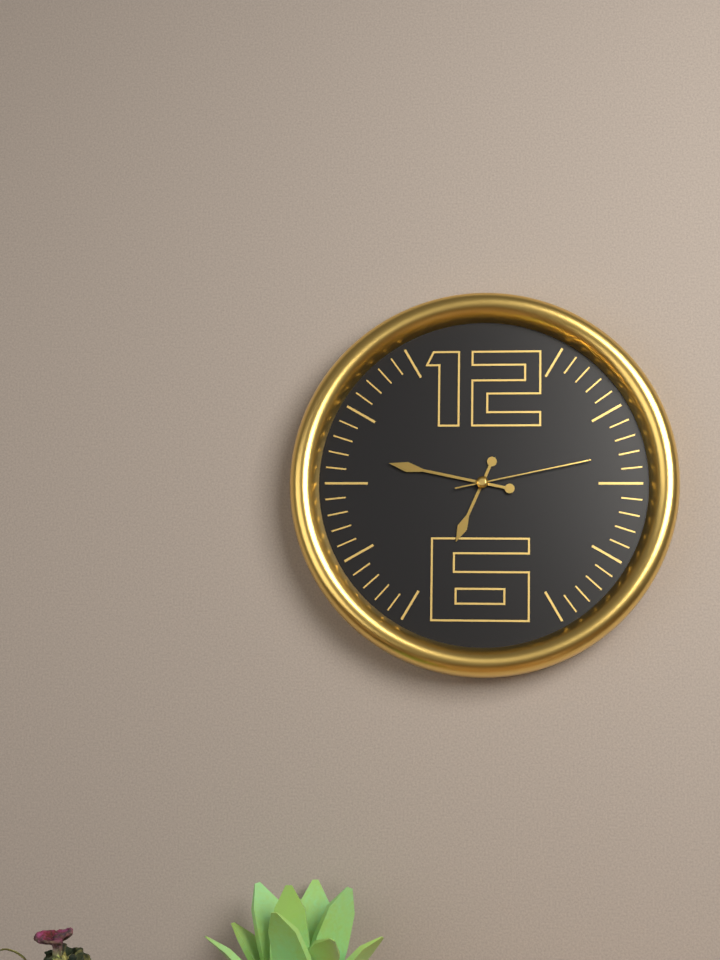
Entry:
h=6 m=47 s=13
